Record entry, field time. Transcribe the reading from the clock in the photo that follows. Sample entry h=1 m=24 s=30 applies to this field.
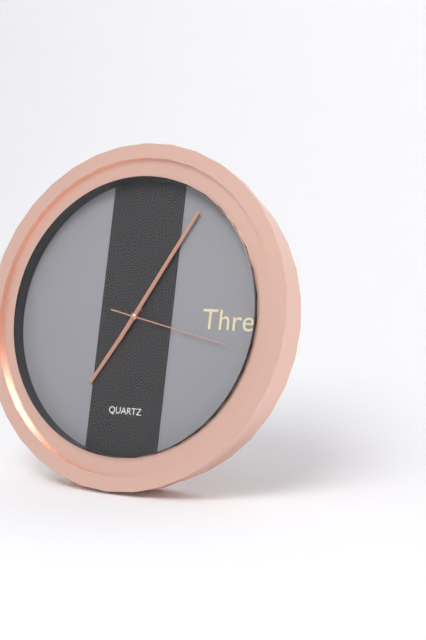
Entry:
h=7 m=5 s=17
